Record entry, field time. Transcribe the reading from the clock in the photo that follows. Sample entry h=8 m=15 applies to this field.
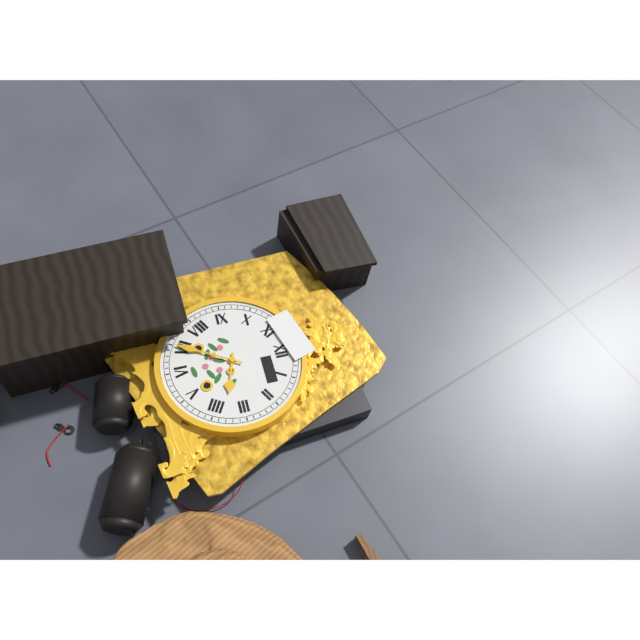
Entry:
h=3 m=35
